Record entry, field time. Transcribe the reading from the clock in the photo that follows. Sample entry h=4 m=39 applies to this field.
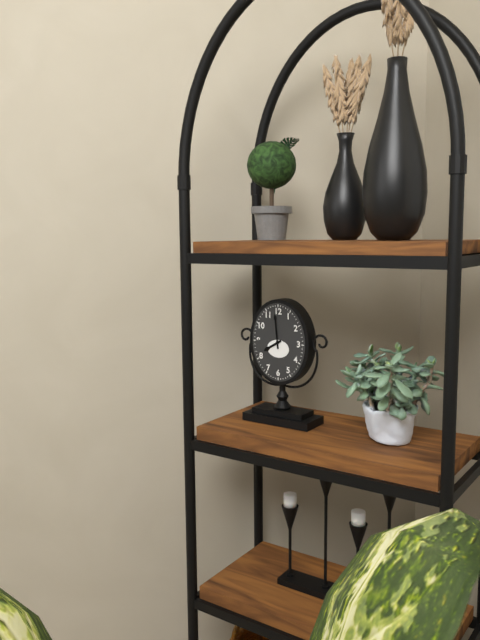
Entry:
h=7 m=59
